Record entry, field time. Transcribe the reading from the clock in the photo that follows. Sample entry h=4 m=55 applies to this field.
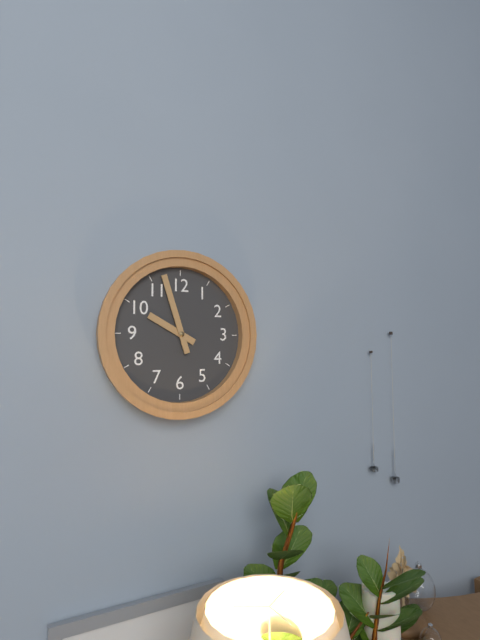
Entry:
h=9 m=57
